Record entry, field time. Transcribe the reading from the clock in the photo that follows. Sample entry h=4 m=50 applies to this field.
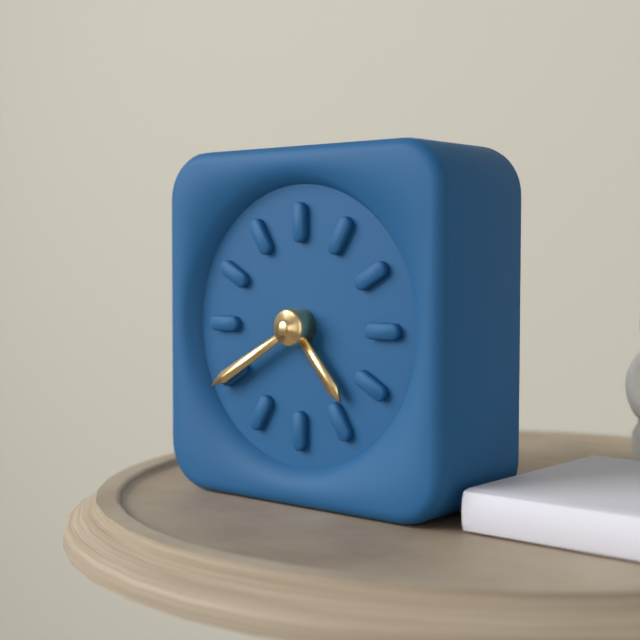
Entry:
h=4 m=40
